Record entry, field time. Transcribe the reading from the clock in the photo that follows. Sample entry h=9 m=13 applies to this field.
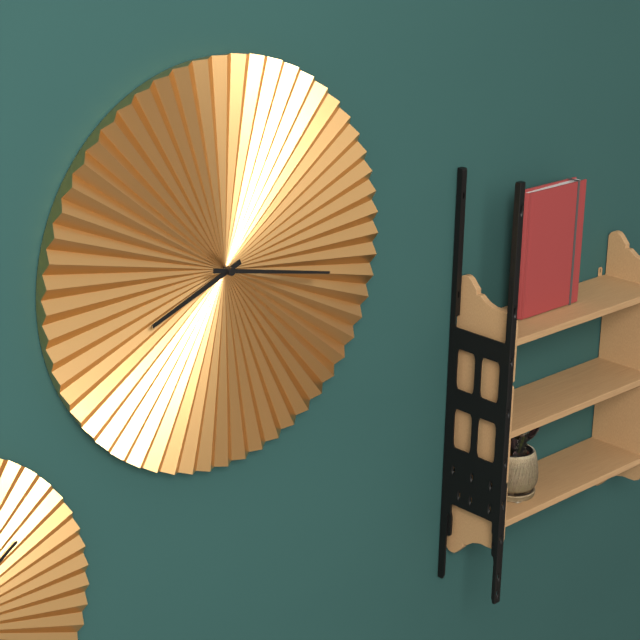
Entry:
h=8 m=17
